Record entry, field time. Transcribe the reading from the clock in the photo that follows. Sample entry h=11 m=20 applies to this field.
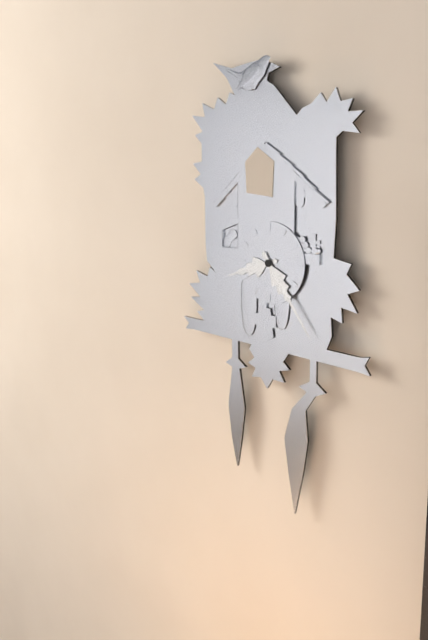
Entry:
h=8 m=24
